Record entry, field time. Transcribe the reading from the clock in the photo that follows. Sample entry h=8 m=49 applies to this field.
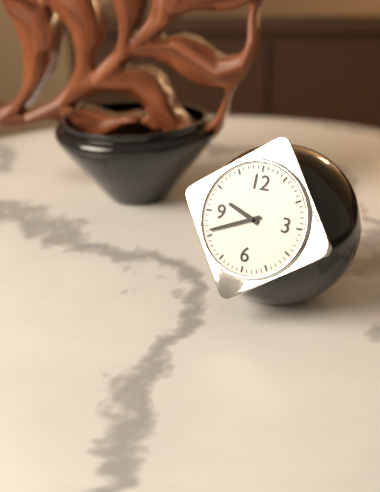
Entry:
h=9 m=41
